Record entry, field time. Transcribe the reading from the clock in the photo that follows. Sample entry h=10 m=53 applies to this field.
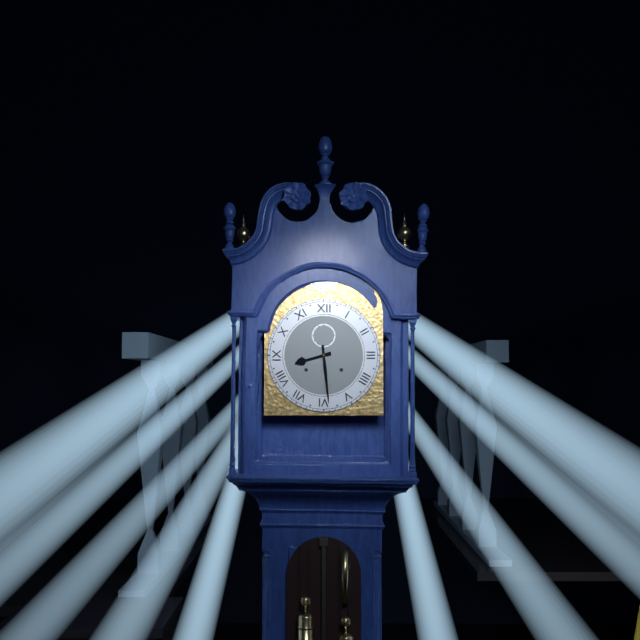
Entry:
h=8 m=29
